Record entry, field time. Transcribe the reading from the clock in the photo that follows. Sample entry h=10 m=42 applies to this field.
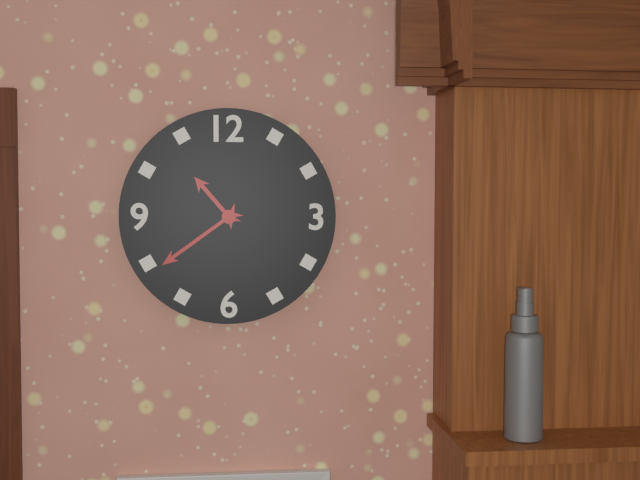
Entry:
h=10 m=39
